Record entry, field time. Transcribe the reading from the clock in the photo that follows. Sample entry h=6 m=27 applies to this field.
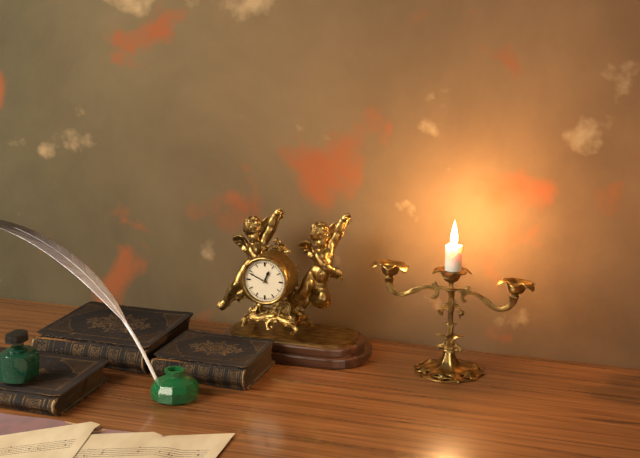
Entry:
h=12 m=49
